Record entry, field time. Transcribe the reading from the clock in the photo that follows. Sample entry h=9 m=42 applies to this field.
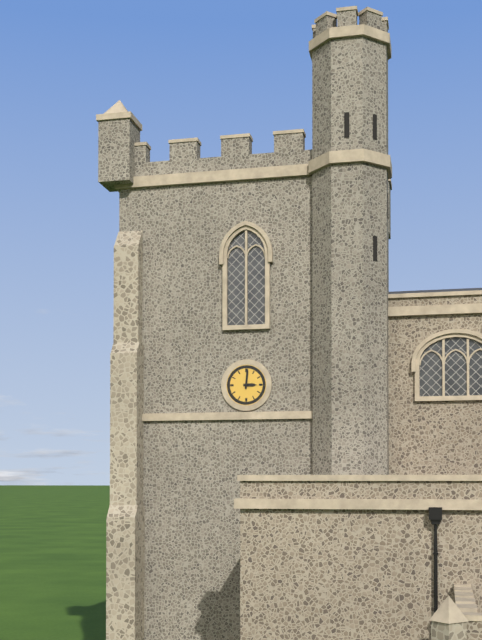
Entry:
h=3 m=1
